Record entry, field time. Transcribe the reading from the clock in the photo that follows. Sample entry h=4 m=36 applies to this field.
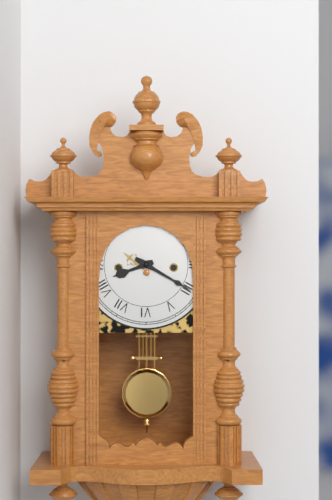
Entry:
h=8 m=20
